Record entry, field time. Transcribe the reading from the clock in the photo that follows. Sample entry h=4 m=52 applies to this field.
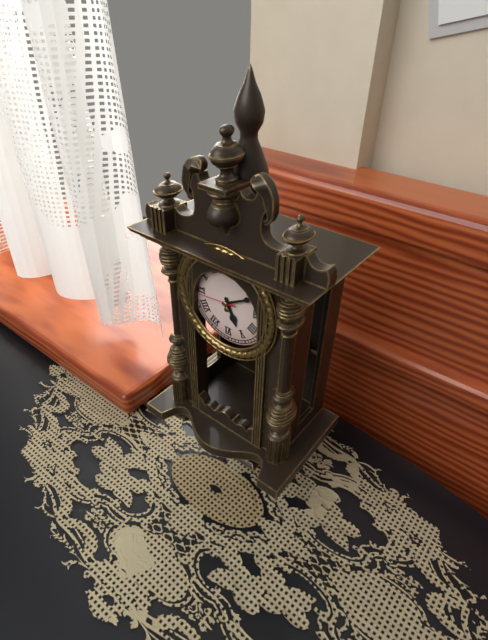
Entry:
h=5 m=10
